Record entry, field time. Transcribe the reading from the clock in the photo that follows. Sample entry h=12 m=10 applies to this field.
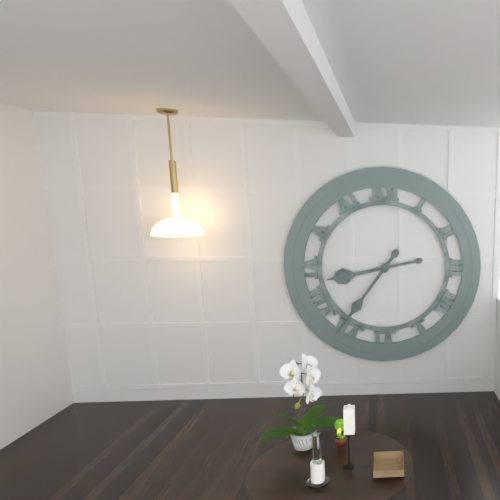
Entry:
h=8 m=36
